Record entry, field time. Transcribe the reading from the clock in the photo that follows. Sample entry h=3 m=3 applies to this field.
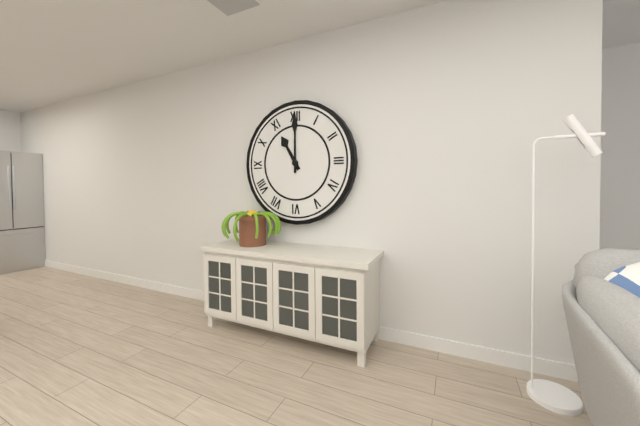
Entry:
h=11 m=0
